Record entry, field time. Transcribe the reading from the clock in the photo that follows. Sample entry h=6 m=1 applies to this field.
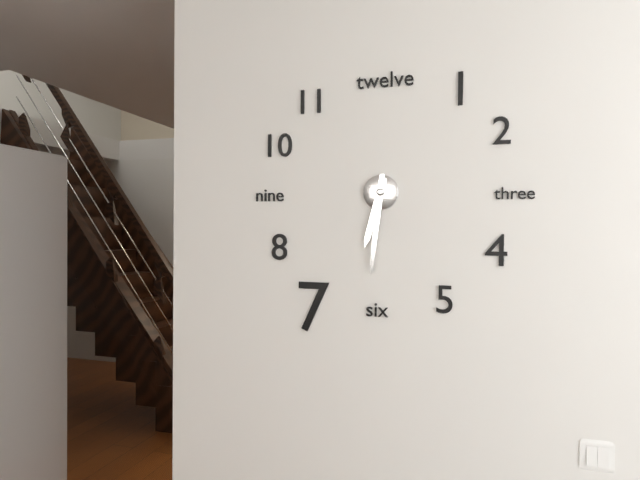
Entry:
h=6 m=31
